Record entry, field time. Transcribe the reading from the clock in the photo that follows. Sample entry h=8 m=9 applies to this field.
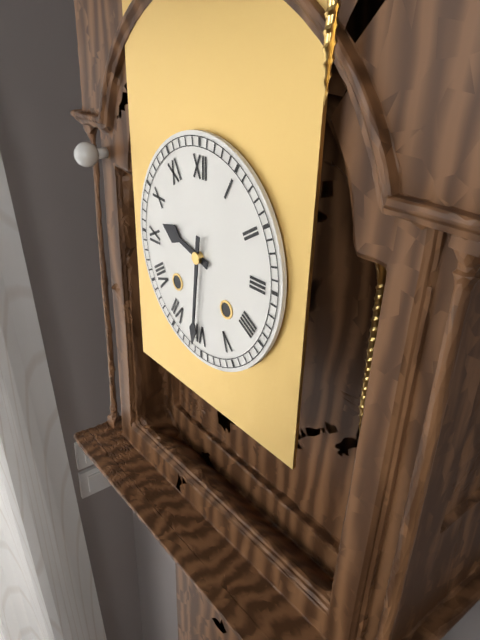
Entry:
h=9 m=31
